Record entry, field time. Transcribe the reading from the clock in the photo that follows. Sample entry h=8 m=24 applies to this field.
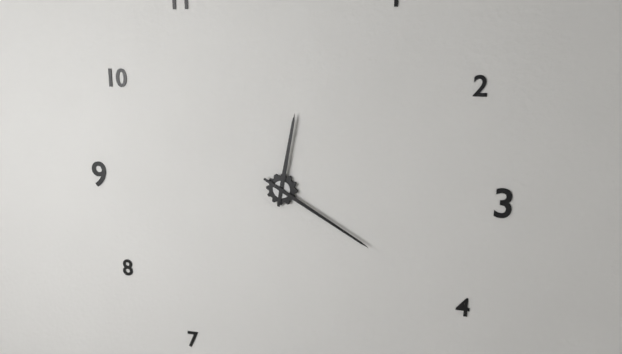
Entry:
h=12 m=20
